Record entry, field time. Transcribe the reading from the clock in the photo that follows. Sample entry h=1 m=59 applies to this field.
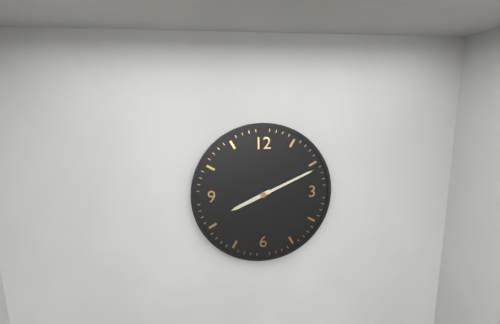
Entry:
h=8 m=11
